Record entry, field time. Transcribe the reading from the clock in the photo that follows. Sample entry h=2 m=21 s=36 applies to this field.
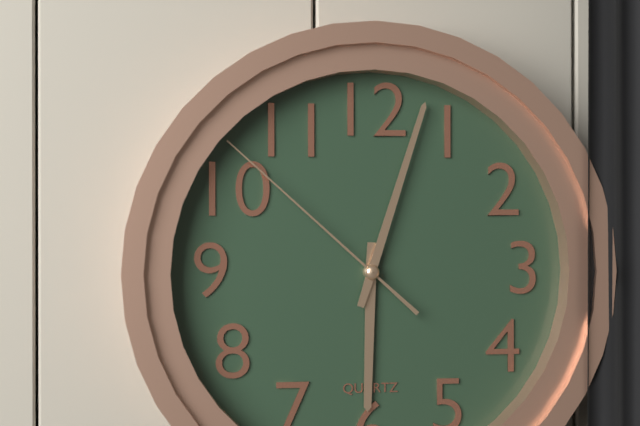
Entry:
h=6 m=3 s=52
